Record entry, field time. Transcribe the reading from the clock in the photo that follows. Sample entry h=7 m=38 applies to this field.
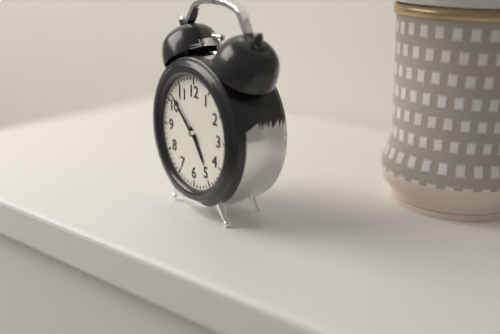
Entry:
h=4 m=52
